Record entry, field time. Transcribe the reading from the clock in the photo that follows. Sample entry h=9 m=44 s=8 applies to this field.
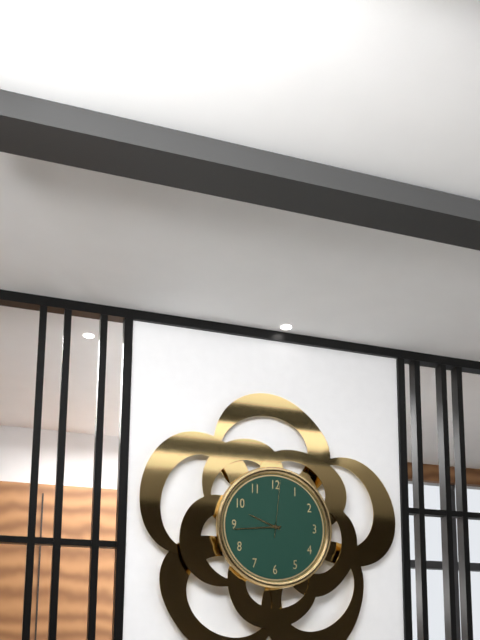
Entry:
h=9 m=44 s=1
